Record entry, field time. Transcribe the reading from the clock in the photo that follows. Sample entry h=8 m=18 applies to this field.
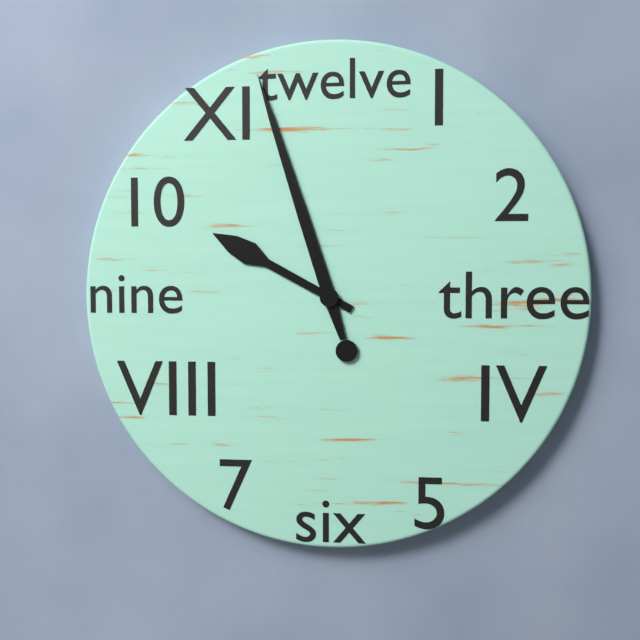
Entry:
h=9 m=57
